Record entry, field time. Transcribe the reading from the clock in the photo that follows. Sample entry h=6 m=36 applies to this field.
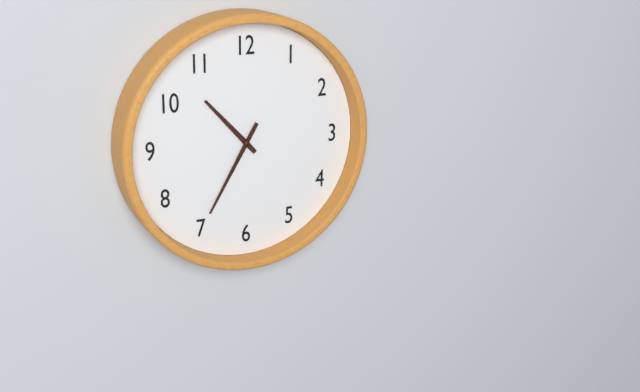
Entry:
h=10 m=35
